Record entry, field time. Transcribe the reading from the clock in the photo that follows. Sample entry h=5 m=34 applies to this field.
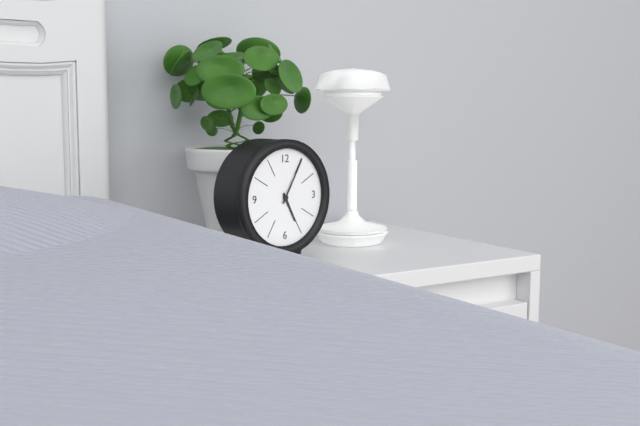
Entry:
h=5 m=5
